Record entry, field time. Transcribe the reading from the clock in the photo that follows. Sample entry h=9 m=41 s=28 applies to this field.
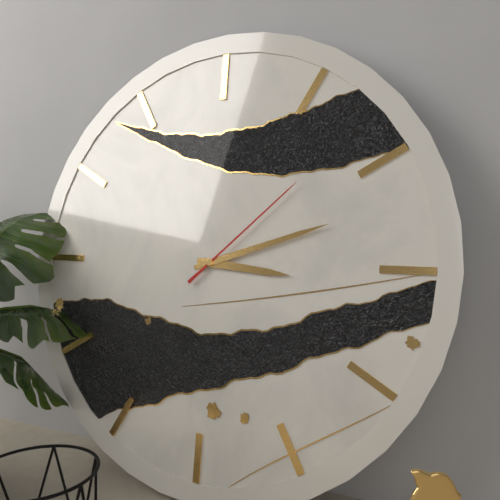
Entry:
h=3 m=12 s=8
